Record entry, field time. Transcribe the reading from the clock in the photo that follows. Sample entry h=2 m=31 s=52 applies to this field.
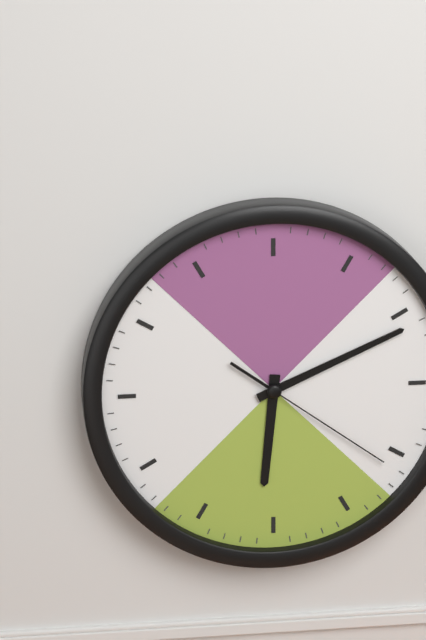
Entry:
h=6 m=11 s=21
